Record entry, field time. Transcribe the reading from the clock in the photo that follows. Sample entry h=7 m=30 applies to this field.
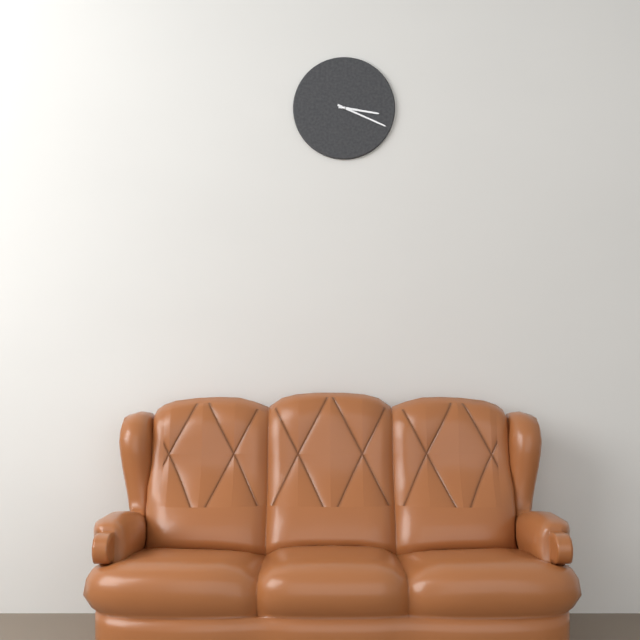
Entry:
h=3 m=19
